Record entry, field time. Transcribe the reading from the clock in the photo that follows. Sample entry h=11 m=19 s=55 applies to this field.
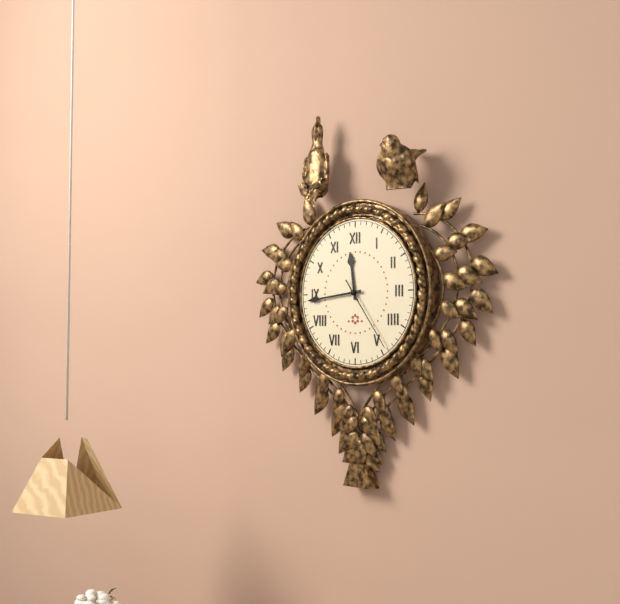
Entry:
h=11 m=44 s=24
